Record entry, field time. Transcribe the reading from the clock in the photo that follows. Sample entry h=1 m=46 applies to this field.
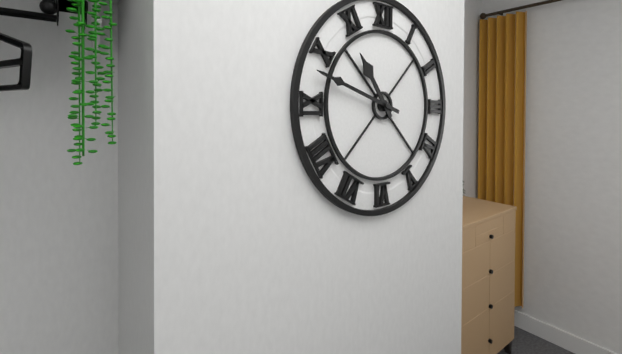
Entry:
h=10 m=48
